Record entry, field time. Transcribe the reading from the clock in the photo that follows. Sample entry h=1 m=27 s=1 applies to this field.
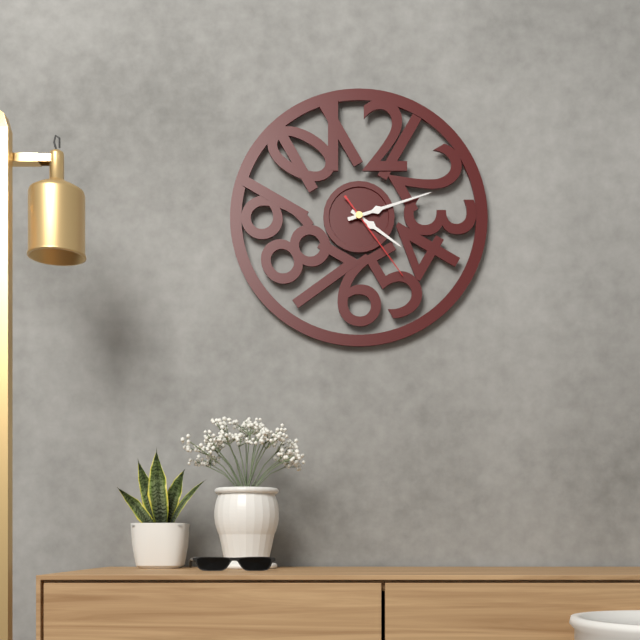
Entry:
h=4 m=12 s=24
